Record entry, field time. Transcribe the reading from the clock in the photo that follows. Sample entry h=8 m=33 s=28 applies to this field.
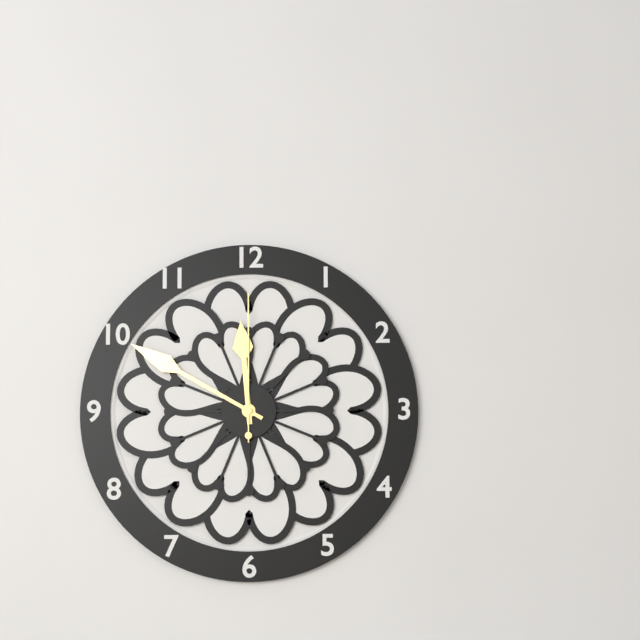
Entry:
h=11 m=50 s=0
